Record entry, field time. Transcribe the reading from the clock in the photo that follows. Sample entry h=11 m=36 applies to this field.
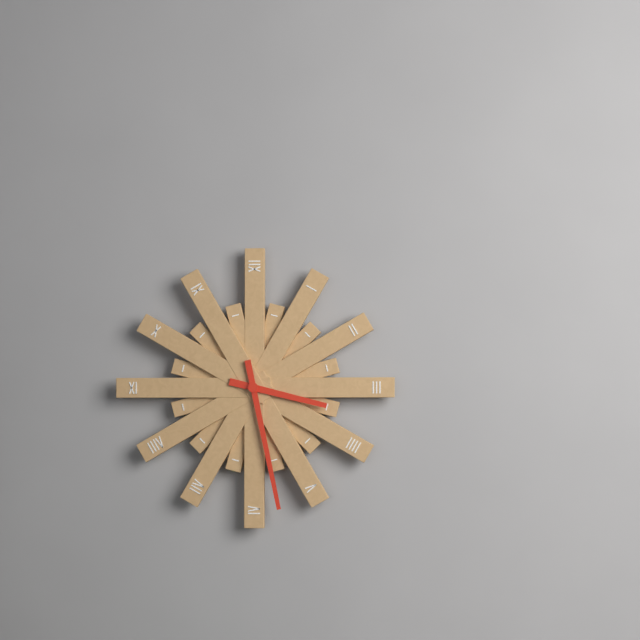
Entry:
h=3 m=28
